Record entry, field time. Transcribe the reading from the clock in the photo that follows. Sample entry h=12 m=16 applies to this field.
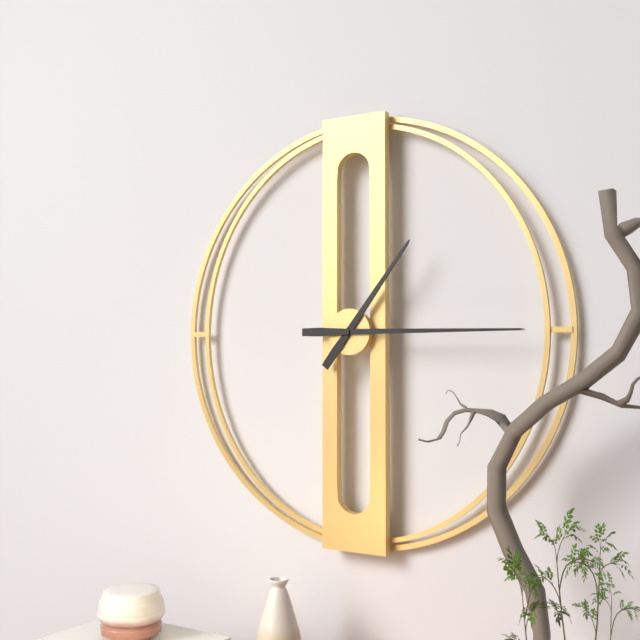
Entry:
h=1 m=15
